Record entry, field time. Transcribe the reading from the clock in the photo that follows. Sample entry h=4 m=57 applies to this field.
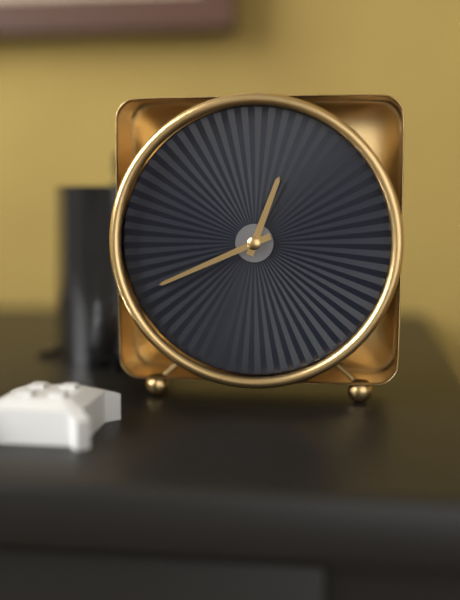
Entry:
h=12 m=41
